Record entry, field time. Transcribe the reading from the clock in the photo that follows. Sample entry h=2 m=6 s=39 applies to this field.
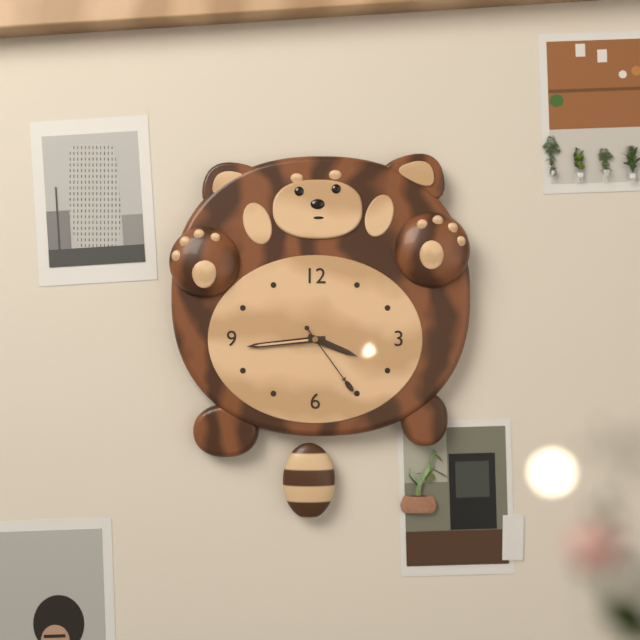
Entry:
h=3 m=44 s=24
